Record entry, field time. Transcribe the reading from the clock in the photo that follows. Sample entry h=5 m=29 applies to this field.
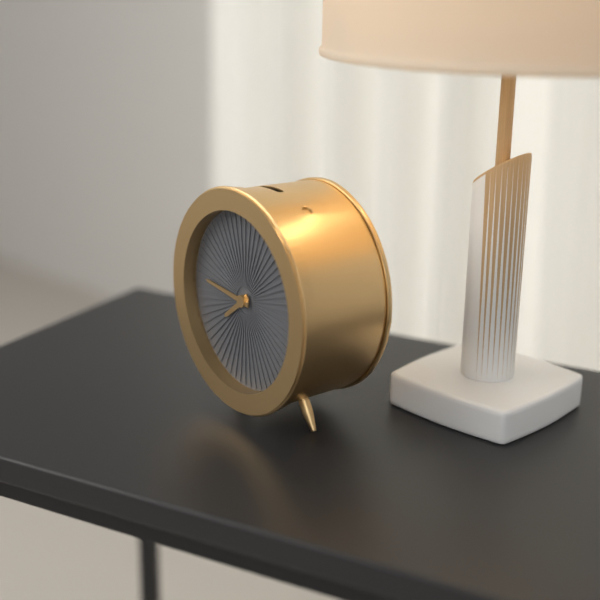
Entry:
h=7 m=46
